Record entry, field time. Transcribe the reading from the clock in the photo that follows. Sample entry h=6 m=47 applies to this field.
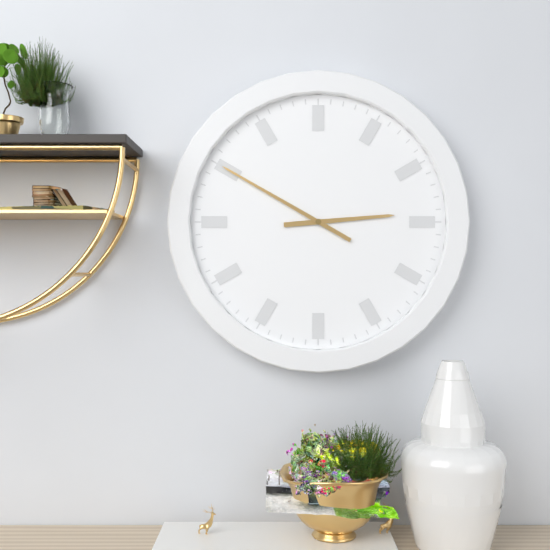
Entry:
h=2 m=50
